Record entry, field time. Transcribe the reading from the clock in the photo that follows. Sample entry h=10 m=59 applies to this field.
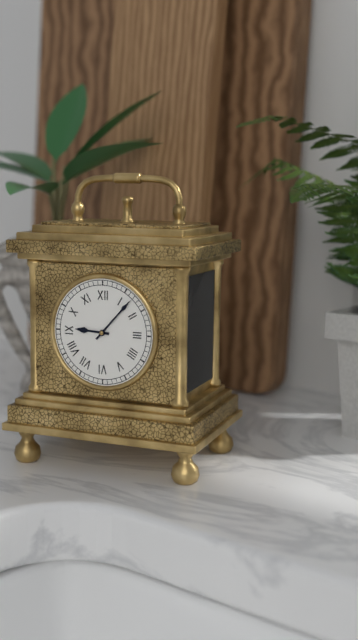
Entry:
h=9 m=7
